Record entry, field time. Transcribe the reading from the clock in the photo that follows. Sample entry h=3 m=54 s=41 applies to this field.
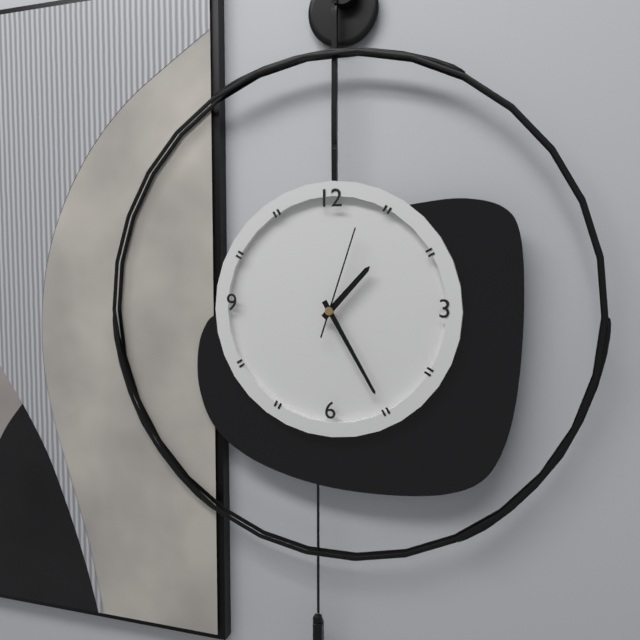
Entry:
h=1 m=25 s=3
